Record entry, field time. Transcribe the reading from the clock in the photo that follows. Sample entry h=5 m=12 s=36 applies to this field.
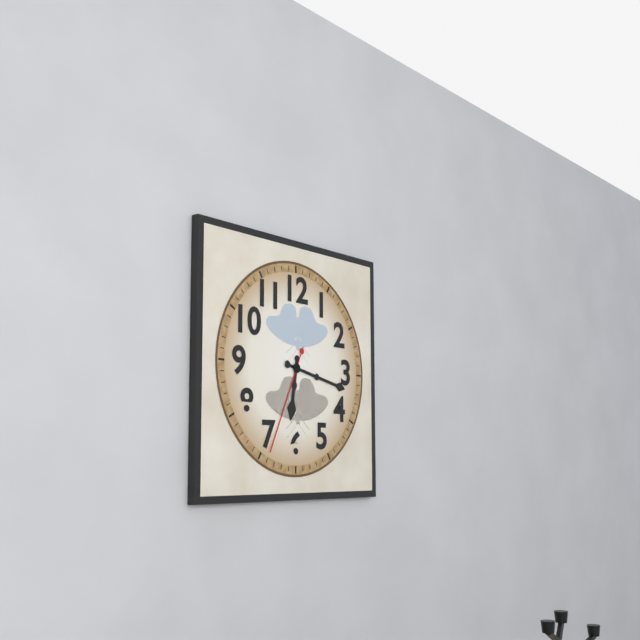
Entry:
h=6 m=17 s=34
